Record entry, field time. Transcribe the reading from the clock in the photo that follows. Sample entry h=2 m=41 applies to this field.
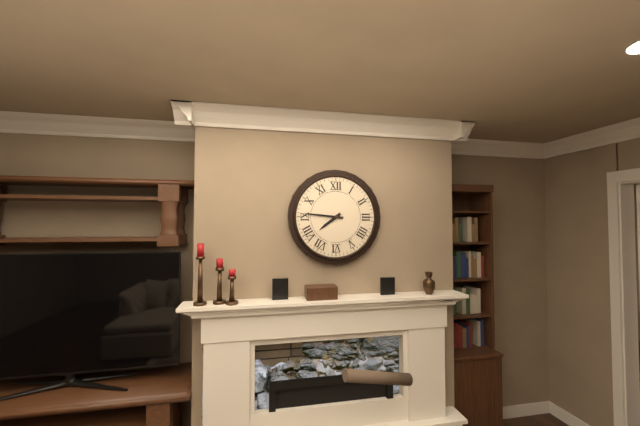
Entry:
h=7 m=46
